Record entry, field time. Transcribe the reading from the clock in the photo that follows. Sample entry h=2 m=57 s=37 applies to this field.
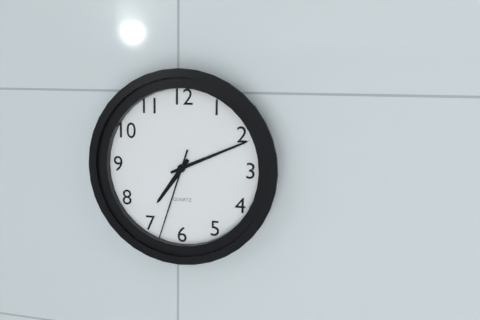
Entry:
h=7 m=11 s=33
